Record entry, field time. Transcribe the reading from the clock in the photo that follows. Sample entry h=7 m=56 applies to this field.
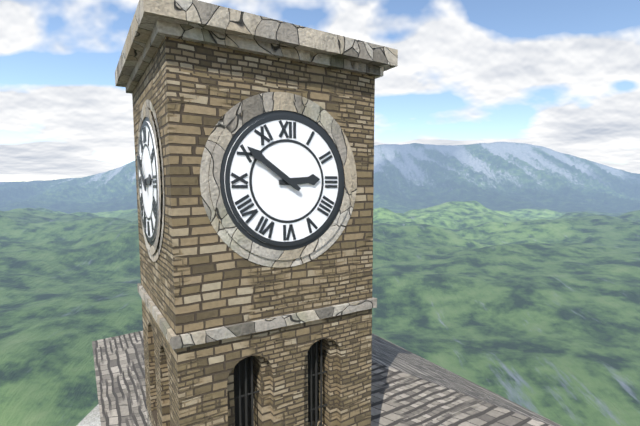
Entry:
h=2 m=51
